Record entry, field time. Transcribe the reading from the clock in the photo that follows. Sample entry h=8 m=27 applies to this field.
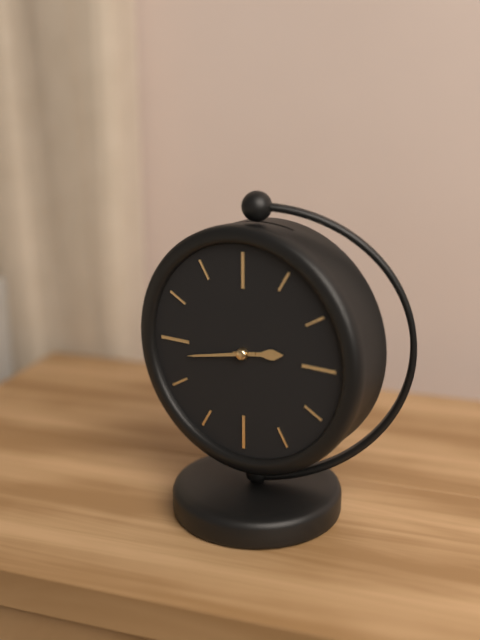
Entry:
h=2 m=43
